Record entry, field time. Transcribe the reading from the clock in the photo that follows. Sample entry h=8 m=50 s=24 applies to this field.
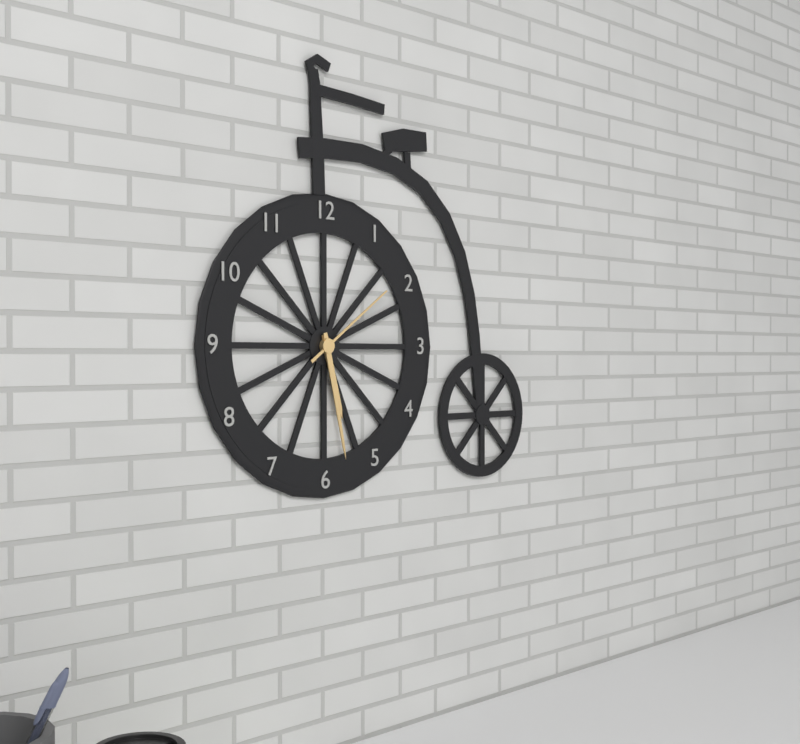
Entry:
h=5 m=28 s=9
